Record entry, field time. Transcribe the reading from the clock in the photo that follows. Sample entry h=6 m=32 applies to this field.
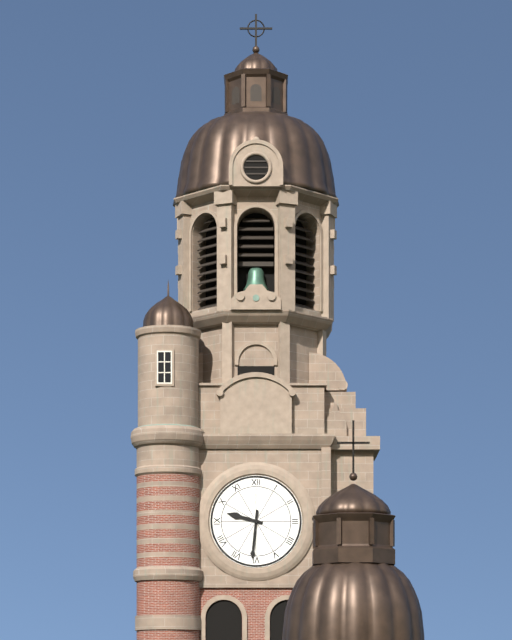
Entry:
h=9 m=31
